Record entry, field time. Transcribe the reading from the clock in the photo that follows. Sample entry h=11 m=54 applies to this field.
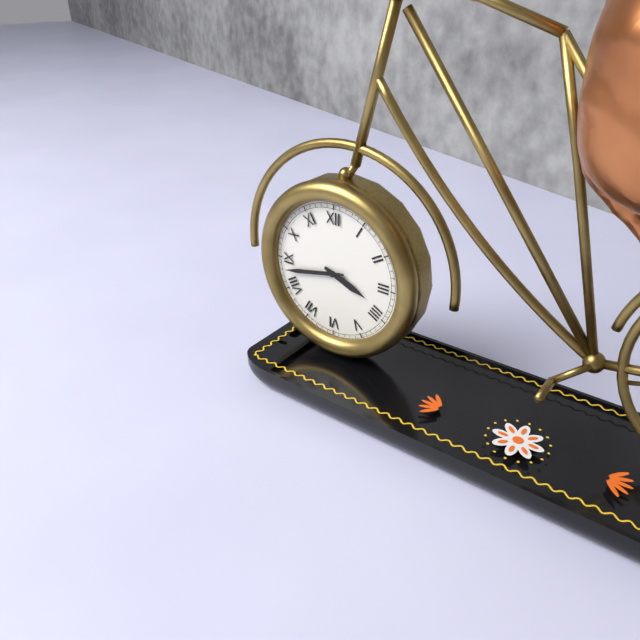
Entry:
h=3 m=43
